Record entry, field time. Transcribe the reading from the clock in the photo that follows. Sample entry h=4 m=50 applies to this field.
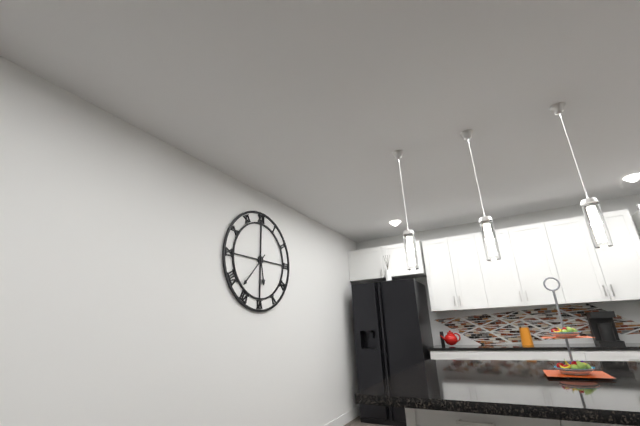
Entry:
h=5 m=37
